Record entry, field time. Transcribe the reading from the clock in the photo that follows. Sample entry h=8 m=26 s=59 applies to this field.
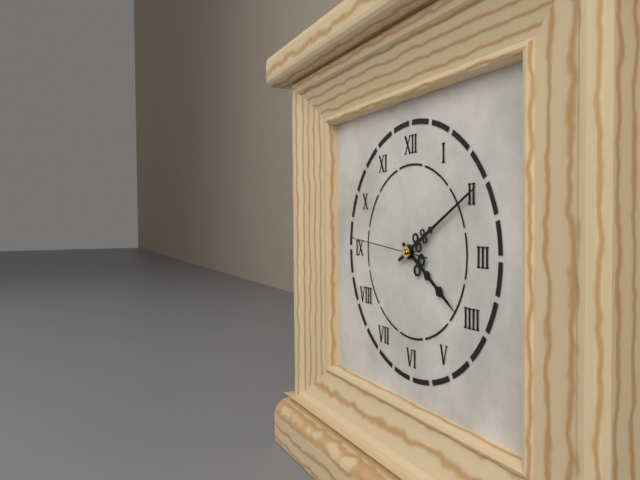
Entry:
h=4 m=10 s=46
